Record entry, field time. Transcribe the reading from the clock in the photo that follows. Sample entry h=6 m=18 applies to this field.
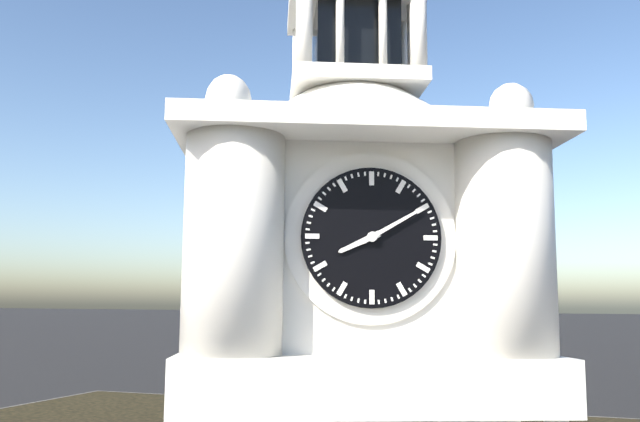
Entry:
h=8 m=10
